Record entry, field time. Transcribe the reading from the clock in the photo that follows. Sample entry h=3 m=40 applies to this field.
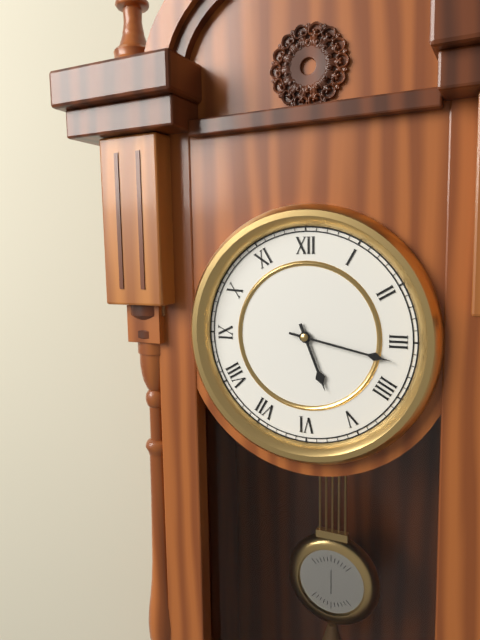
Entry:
h=5 m=17
